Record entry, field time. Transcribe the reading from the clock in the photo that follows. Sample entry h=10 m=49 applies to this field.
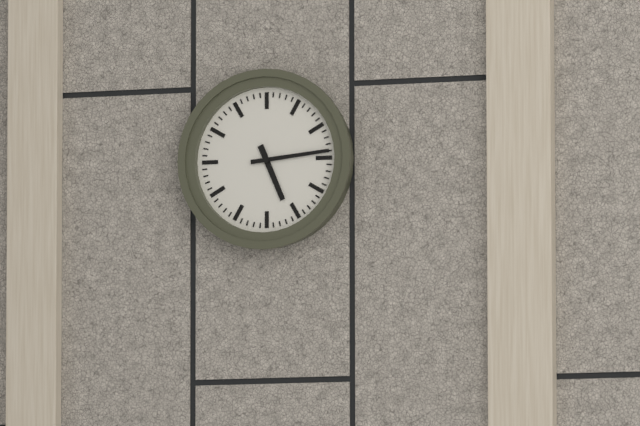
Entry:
h=5 m=14
